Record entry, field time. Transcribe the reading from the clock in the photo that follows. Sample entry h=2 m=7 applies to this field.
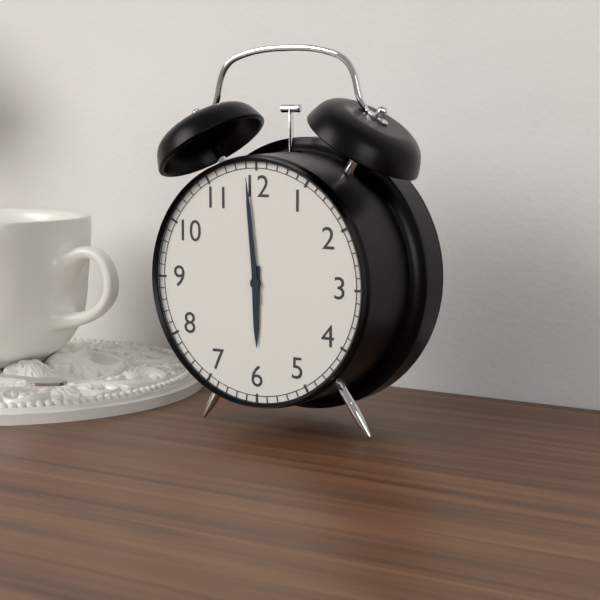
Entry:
h=5 m=59
